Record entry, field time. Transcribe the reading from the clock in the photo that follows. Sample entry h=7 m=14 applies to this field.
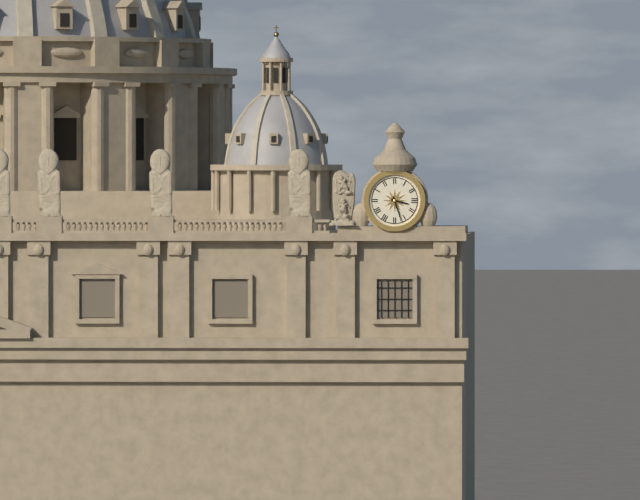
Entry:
h=3 m=27
